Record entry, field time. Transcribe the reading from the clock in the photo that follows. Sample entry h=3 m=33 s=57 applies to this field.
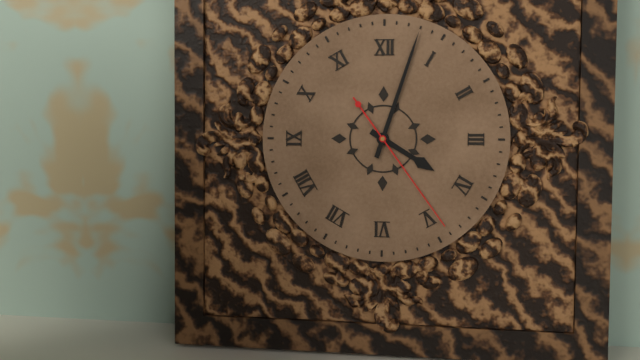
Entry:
h=4 m=3 s=24
